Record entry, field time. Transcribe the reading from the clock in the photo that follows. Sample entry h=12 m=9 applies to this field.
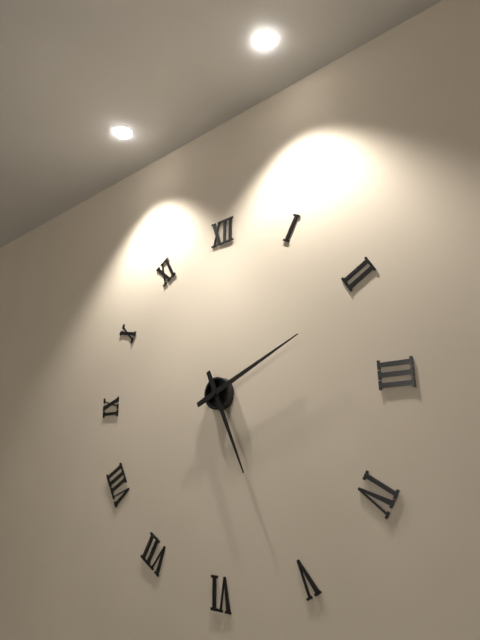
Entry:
h=5 m=11
